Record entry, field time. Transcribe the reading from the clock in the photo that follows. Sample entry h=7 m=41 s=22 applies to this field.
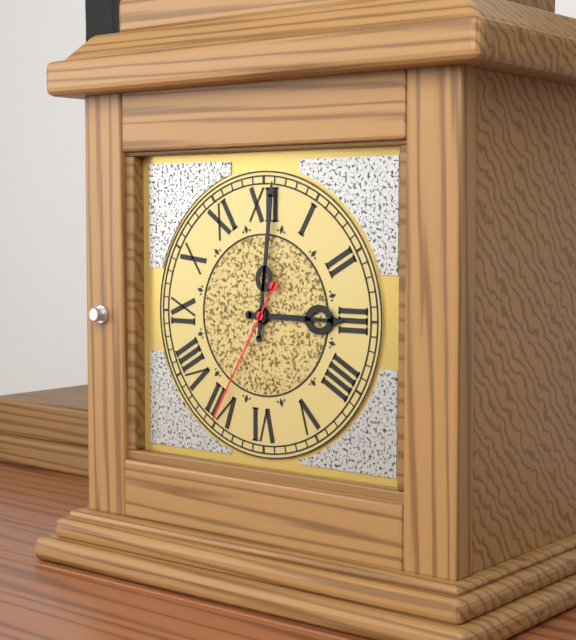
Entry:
h=3 m=1 s=35
